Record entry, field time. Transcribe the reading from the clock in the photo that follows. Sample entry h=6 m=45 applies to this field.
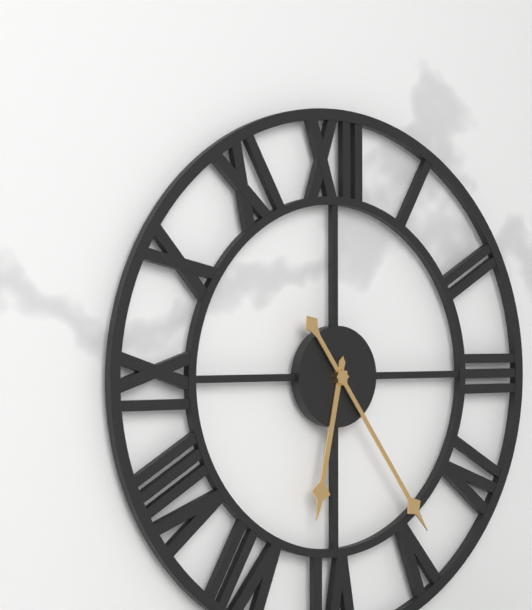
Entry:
h=6 m=24
